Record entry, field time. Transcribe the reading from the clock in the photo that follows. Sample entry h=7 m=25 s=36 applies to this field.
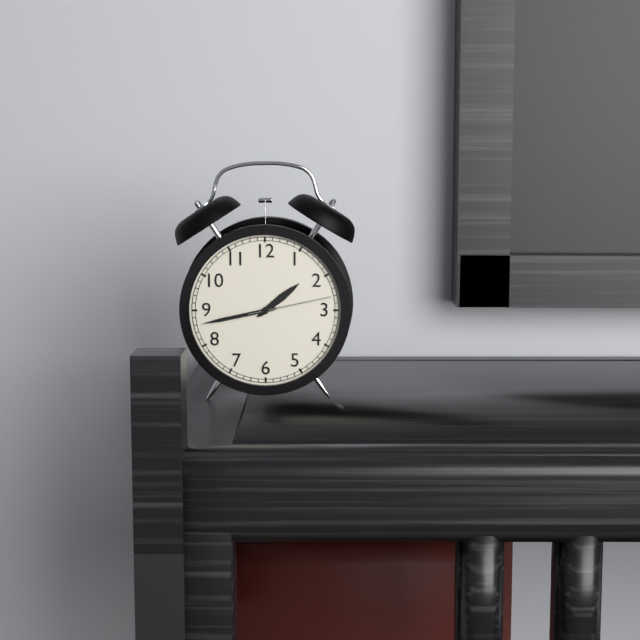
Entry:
h=1 m=43 s=13
